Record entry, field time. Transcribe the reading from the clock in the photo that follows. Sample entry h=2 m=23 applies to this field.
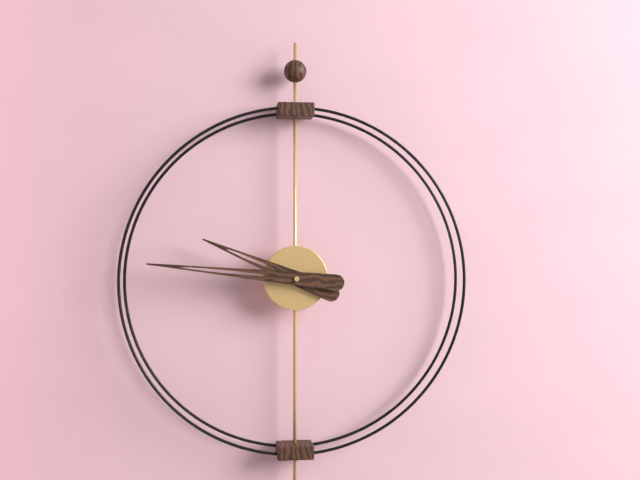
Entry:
h=9 m=46
